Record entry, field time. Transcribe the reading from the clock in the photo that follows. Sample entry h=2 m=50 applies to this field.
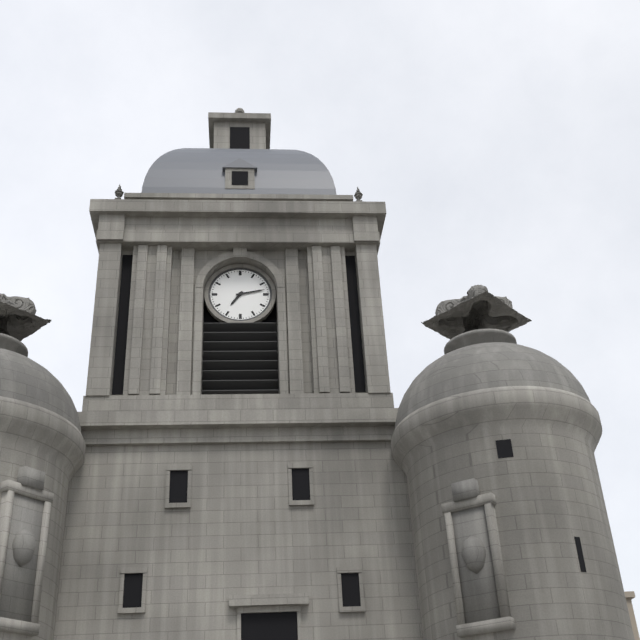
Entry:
h=7 m=13
